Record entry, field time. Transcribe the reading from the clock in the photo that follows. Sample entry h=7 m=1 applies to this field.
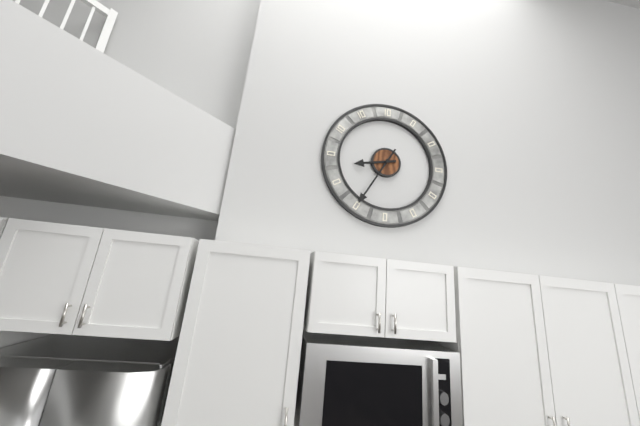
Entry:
h=8 m=35
